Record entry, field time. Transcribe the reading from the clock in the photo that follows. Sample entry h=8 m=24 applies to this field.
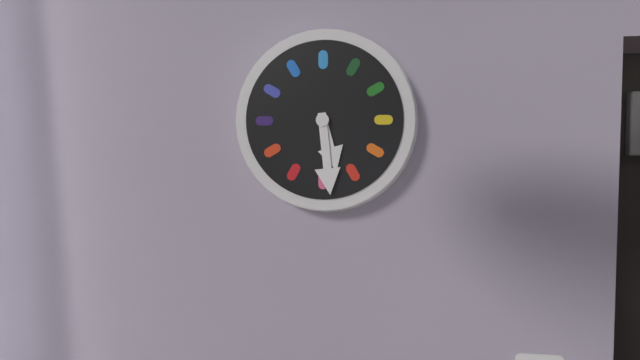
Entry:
h=5 m=29
